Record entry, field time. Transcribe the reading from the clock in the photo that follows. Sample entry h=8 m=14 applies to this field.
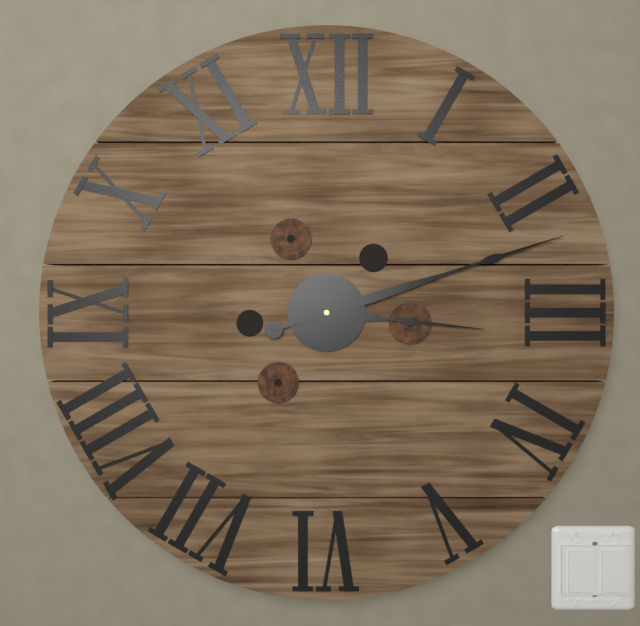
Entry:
h=3 m=12
